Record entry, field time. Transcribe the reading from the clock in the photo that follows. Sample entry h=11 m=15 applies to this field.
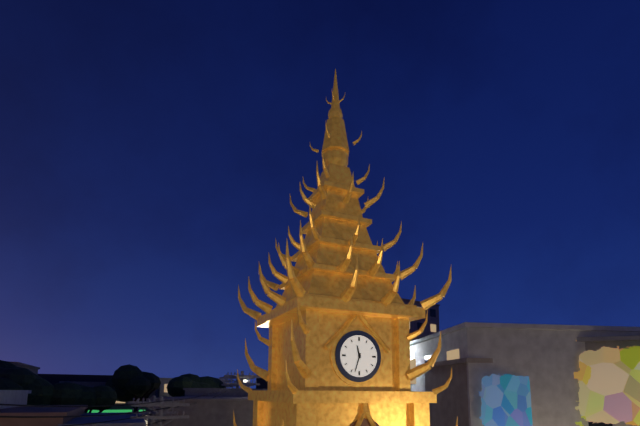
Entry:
h=11 m=33
